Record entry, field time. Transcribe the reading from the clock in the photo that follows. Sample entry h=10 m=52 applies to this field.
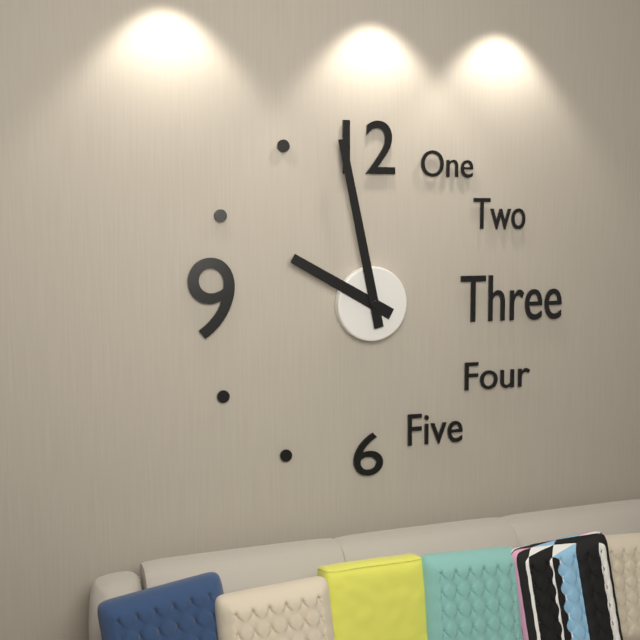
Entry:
h=9 m=58
